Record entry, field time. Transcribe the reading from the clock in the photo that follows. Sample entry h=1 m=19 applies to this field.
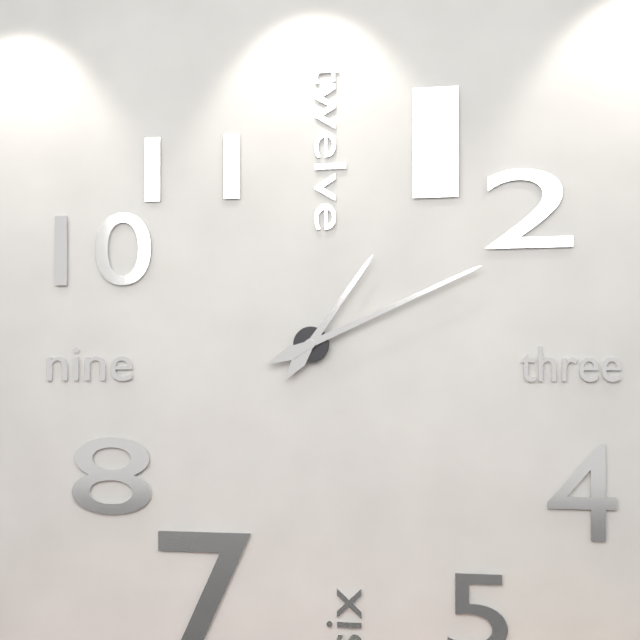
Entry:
h=1 m=11
